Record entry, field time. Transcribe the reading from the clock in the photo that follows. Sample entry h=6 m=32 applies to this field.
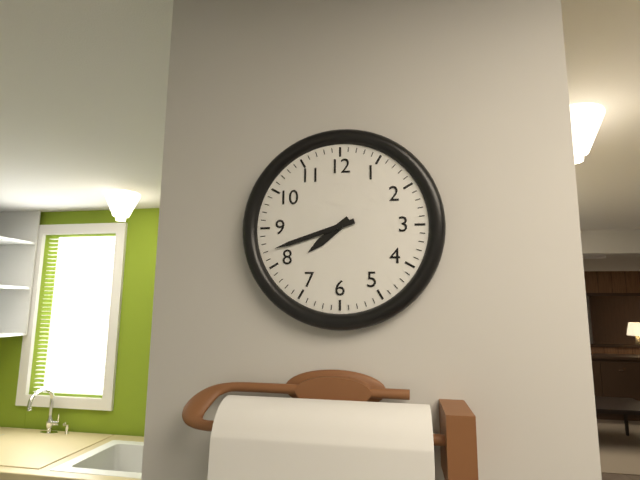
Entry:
h=7 m=42
